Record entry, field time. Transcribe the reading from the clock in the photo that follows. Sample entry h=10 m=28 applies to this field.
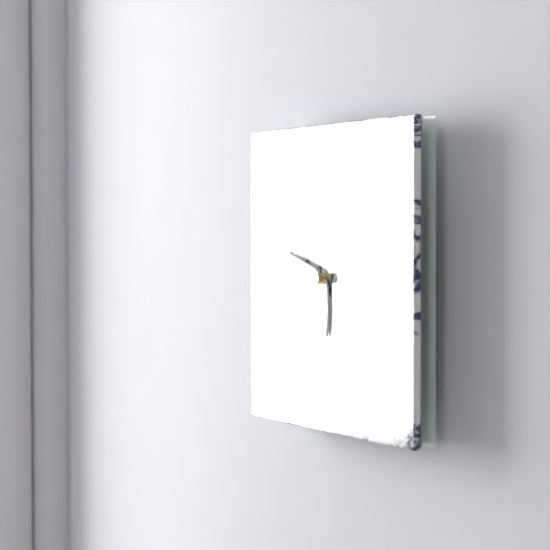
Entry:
h=5 m=48
